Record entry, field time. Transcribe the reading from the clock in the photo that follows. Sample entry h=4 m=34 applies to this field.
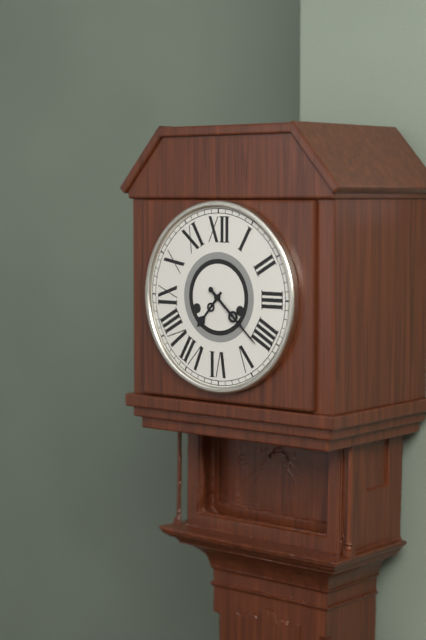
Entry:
h=7 m=22
